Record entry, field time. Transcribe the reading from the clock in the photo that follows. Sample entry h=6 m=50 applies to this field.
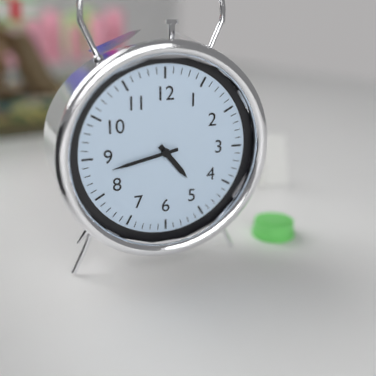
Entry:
h=4 m=43
